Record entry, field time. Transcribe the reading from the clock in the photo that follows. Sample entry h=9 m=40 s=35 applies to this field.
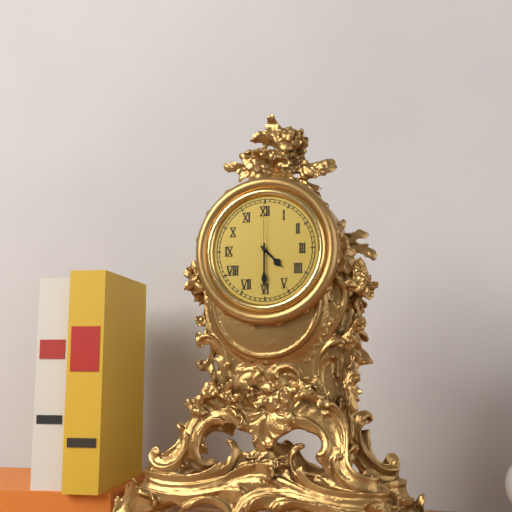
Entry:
h=4 m=30 s=0
